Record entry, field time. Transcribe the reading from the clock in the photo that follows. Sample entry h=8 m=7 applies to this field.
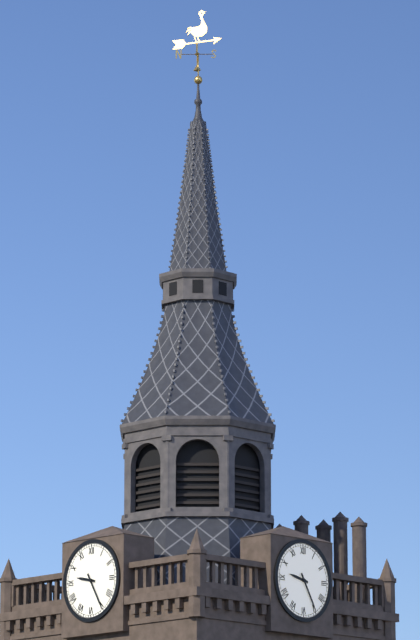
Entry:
h=9 m=25
